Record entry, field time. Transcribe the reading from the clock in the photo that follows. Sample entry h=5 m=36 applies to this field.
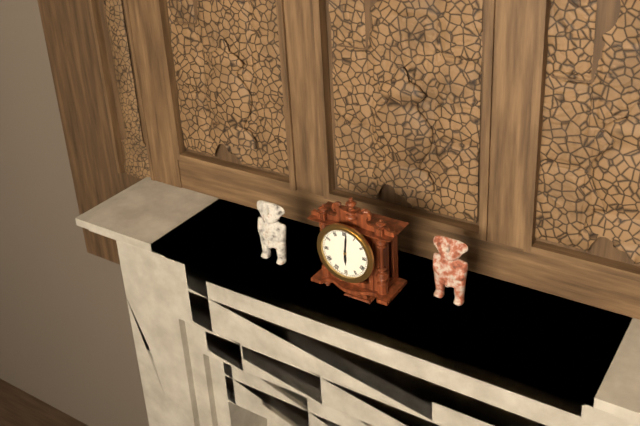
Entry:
h=6 m=1
